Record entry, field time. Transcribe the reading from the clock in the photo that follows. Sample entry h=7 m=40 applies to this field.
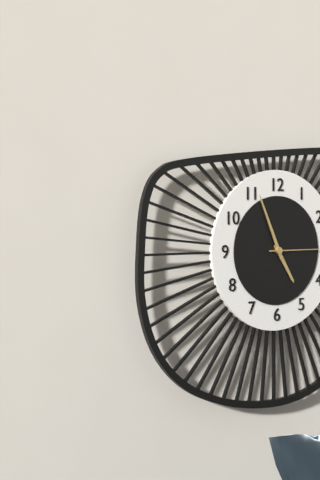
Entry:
h=4 m=56
